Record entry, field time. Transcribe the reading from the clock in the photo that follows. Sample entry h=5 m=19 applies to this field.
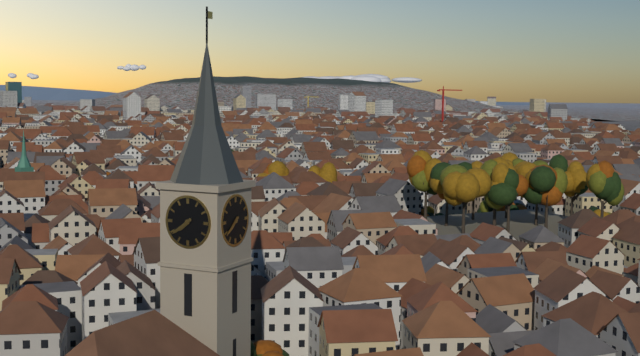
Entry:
h=7 m=39
